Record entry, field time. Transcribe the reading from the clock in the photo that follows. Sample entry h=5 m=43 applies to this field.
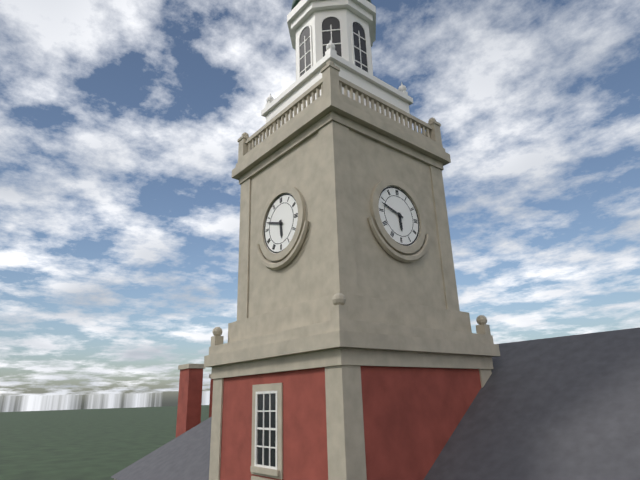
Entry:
h=5 m=48
